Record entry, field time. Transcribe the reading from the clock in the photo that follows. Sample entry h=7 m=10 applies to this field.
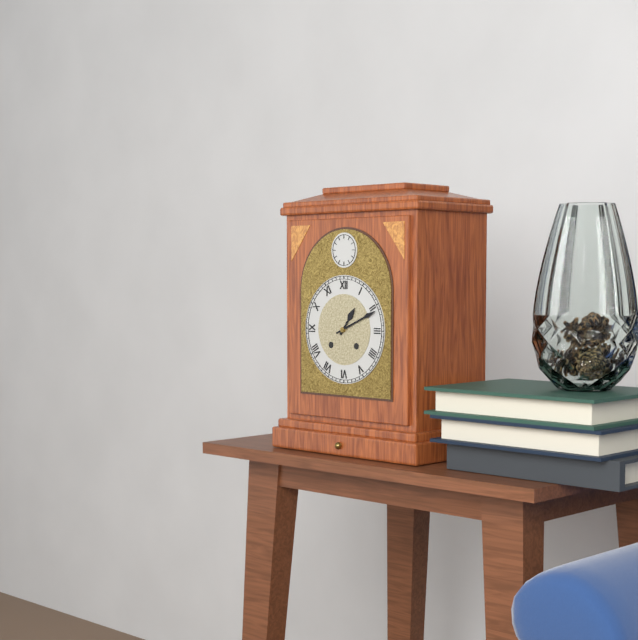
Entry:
h=1 m=11
